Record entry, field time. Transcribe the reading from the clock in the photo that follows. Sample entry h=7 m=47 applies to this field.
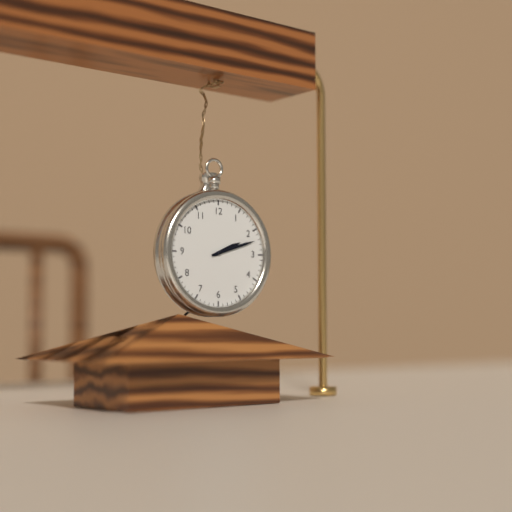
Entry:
h=2 m=12
